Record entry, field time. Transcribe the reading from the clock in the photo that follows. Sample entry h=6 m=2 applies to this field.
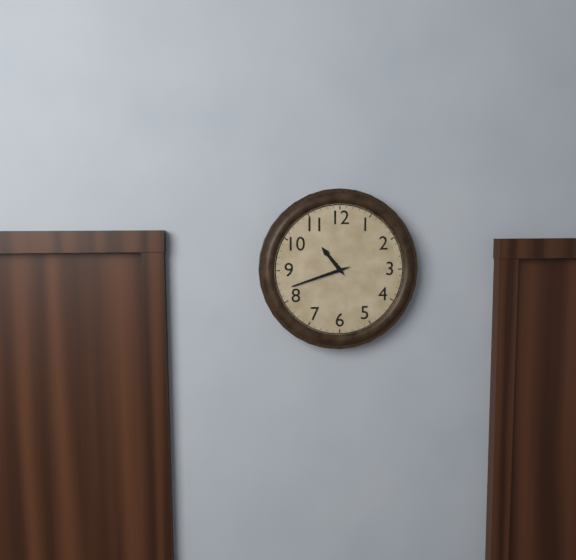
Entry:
h=10 m=42
